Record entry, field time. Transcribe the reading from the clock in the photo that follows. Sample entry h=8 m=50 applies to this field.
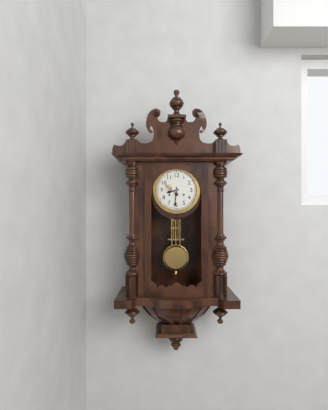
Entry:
h=8 m=31
